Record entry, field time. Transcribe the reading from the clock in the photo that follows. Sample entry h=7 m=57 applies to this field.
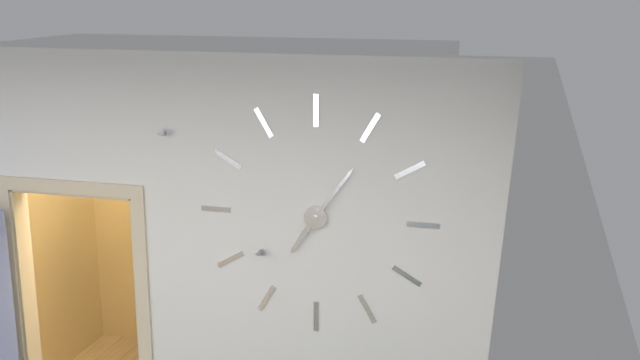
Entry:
h=7 m=6
